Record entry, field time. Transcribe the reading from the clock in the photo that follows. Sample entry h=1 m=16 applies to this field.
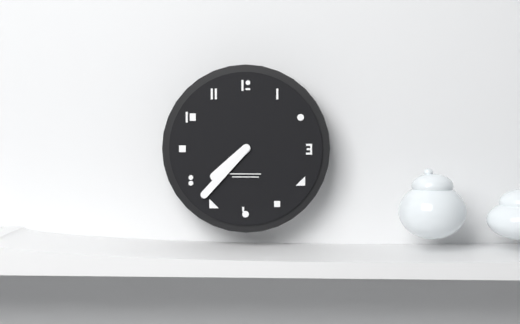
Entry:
h=7 m=37
